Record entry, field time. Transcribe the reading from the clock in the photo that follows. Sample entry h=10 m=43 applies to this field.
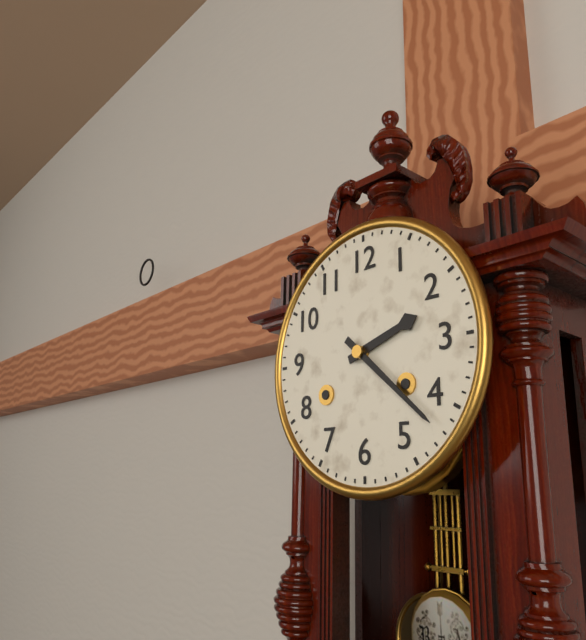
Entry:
h=2 m=22
